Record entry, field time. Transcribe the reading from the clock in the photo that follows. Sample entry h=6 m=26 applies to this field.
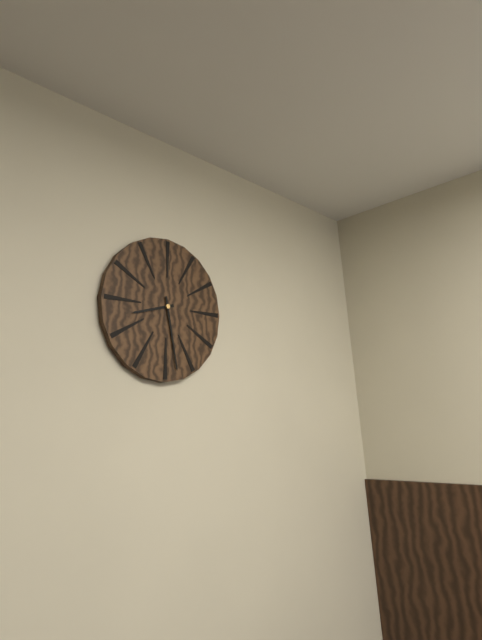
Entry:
h=8 m=28
